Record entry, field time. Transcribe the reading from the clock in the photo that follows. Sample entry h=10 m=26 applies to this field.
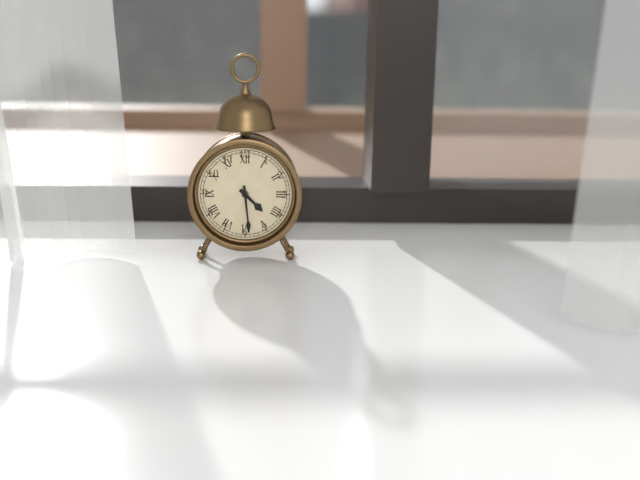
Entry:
h=4 m=29
